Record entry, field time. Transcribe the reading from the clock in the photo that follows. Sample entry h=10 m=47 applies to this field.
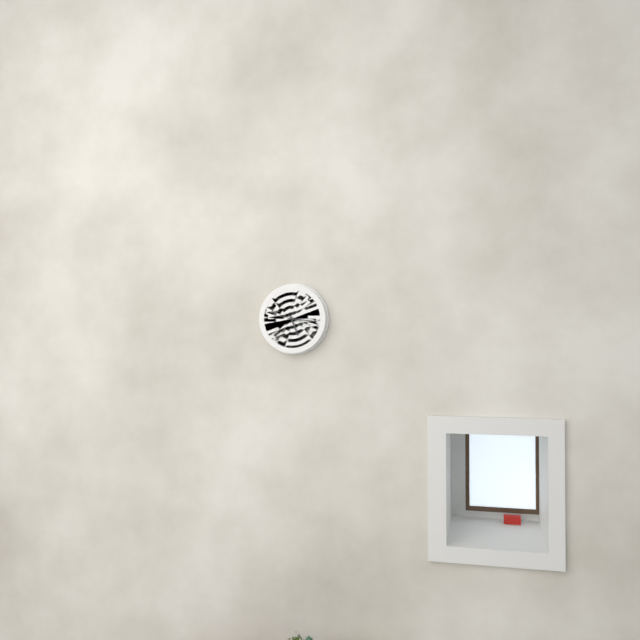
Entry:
h=5 m=16
